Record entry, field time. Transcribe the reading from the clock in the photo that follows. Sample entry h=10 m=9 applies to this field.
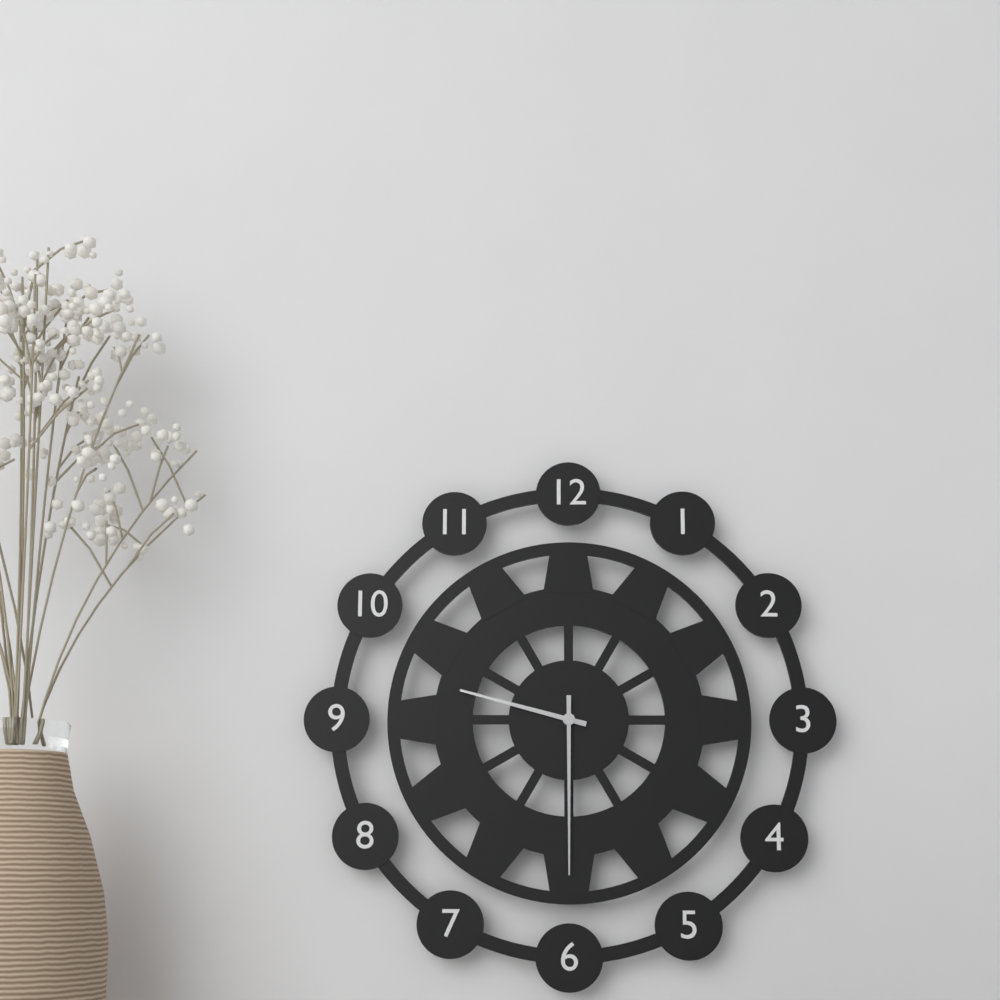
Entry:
h=9 m=30
